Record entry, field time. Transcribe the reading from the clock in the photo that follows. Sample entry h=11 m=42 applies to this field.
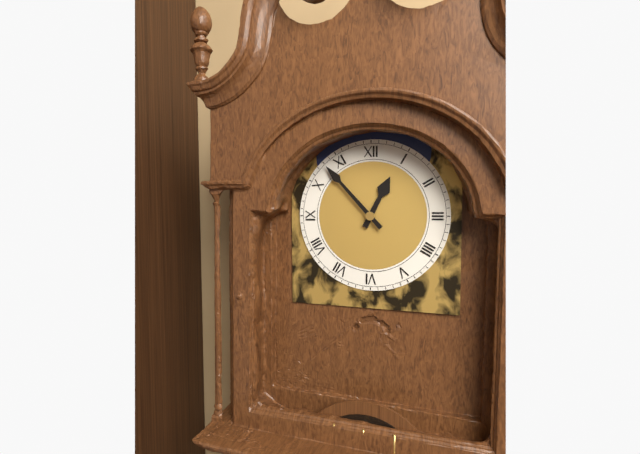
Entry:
h=12 m=53
